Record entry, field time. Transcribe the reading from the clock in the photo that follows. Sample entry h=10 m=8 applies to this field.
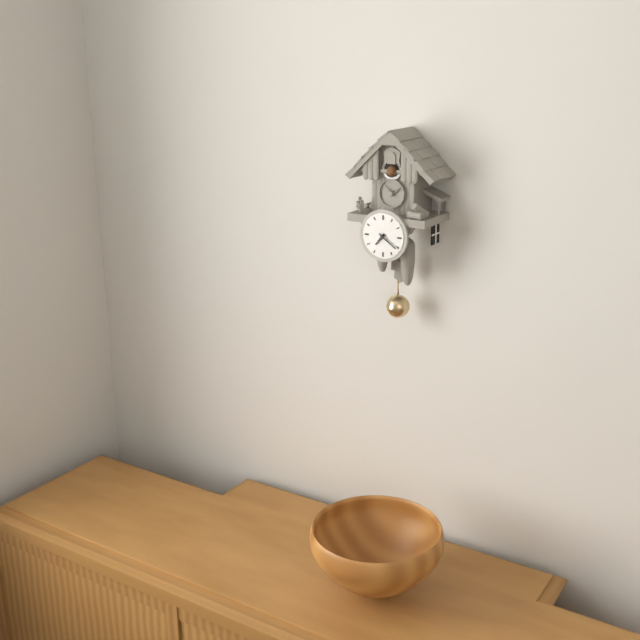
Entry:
h=7 m=21
